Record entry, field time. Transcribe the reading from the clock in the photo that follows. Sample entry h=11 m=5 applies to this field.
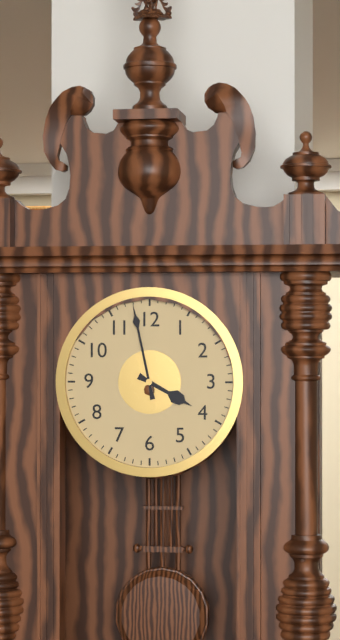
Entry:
h=3 m=58
